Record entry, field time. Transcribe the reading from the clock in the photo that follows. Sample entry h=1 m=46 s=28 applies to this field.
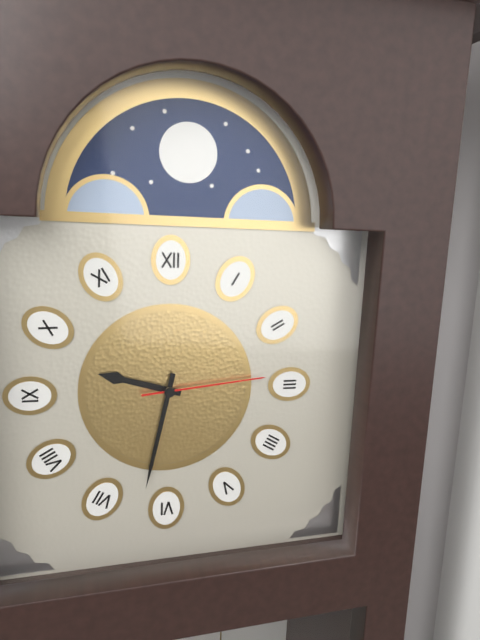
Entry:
h=9 m=32 s=14
